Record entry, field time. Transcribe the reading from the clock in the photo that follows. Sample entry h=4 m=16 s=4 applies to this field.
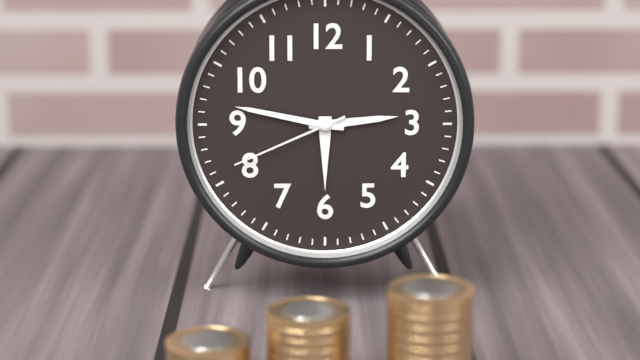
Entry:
h=2 m=47 s=41
